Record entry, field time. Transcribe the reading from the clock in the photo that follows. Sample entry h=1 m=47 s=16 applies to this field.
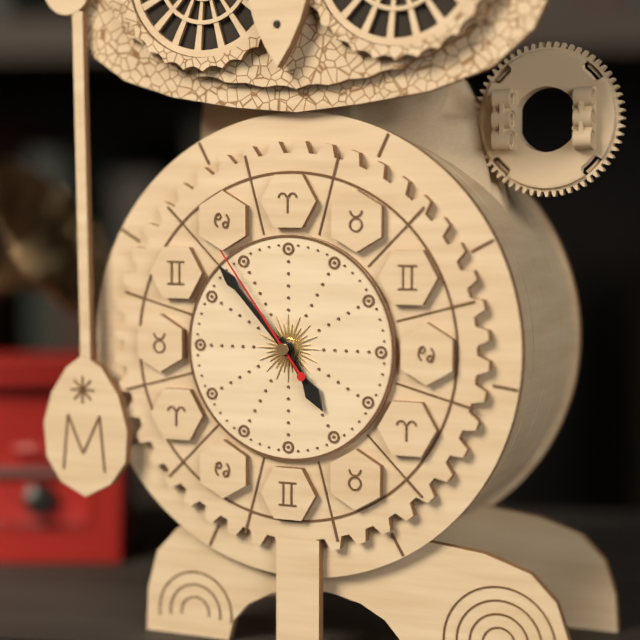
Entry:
h=4 m=53 s=54
